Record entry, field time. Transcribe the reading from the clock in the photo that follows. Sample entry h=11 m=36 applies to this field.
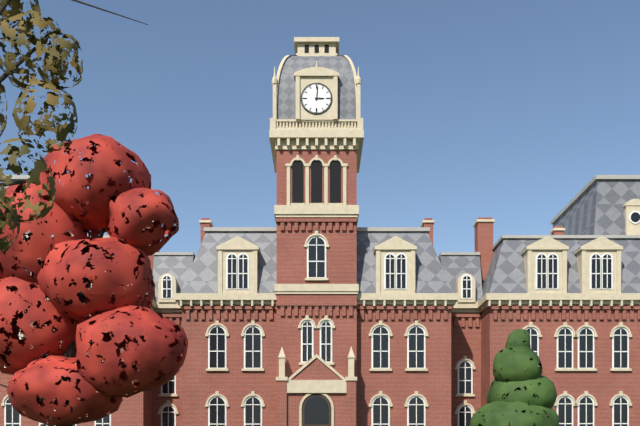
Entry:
h=3 m=1
